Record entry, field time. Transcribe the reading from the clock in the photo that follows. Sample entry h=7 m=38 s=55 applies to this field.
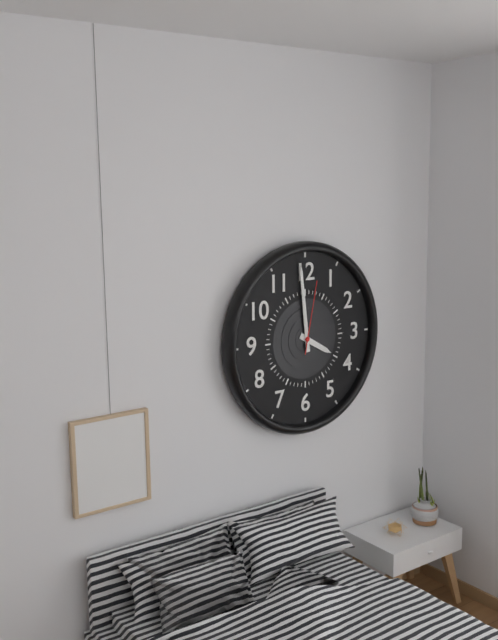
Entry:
h=3 m=59 s=2
